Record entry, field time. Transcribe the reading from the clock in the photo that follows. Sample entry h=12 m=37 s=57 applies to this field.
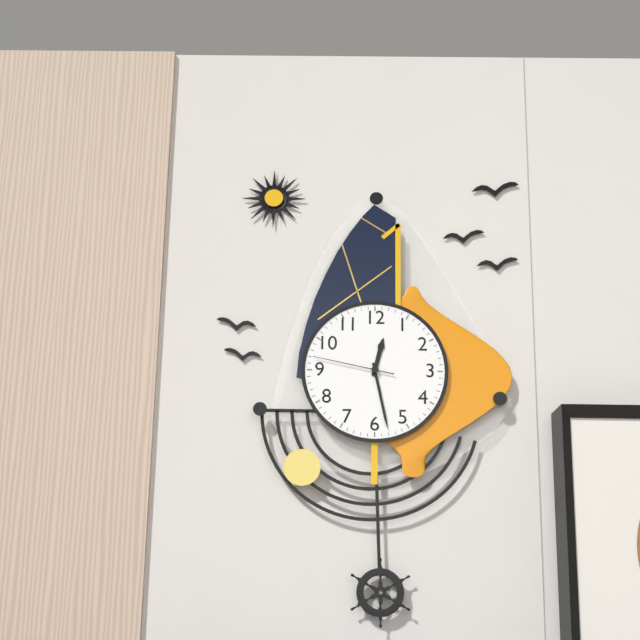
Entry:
h=12 m=28 s=47
